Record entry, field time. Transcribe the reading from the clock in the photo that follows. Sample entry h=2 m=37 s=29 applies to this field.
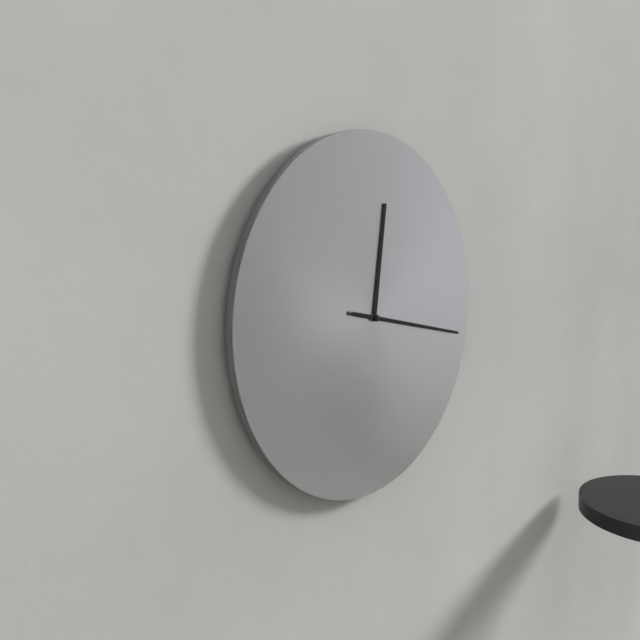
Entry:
h=12 m=17 s=17
